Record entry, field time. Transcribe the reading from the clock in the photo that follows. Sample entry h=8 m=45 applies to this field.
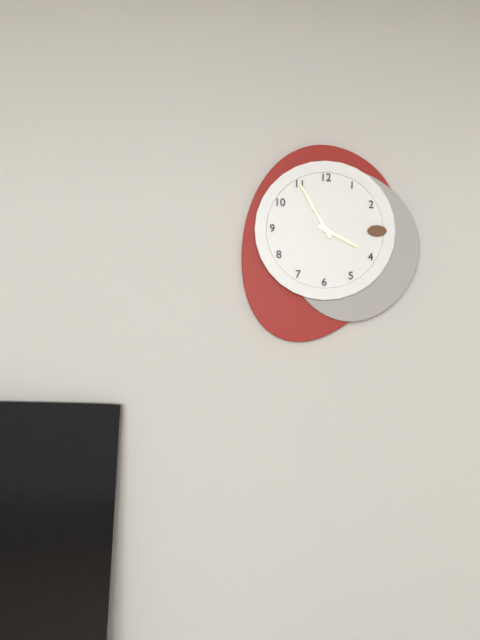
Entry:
h=3 m=55
